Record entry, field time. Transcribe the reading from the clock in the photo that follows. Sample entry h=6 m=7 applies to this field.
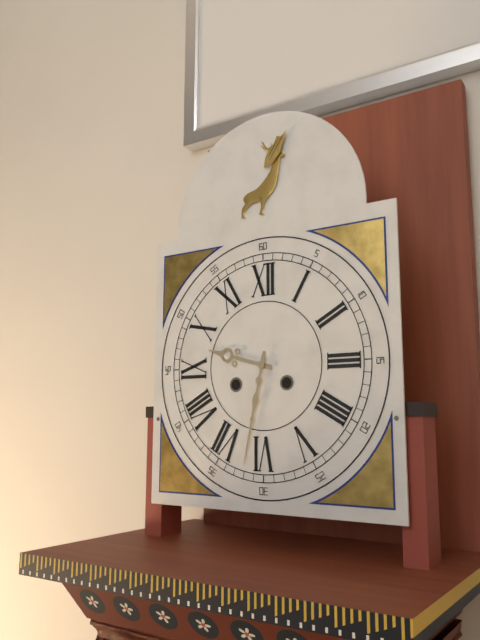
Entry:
h=9 m=32
